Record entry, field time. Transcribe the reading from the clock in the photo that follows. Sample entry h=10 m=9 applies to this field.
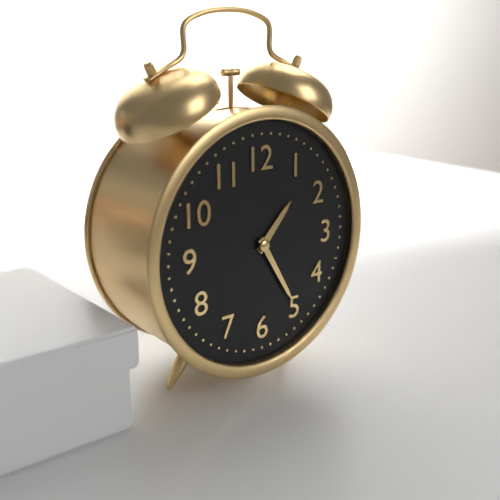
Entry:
h=1 m=25
